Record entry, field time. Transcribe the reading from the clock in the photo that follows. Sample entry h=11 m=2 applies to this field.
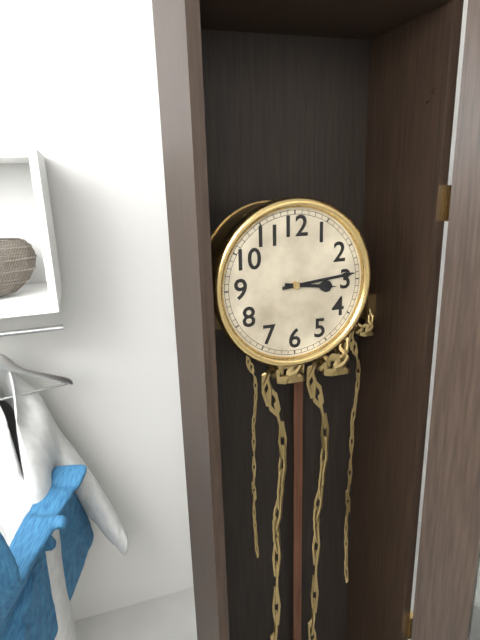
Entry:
h=3 m=14
